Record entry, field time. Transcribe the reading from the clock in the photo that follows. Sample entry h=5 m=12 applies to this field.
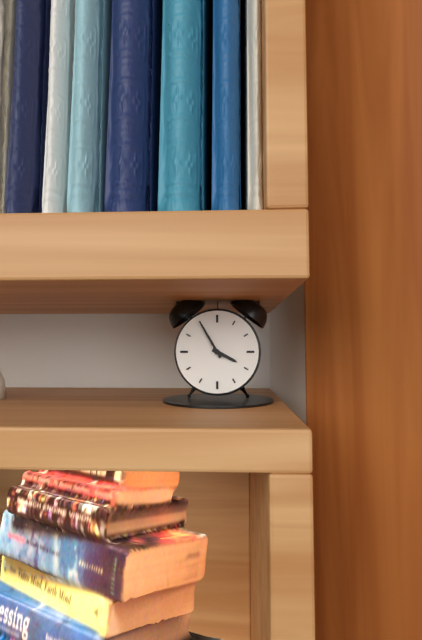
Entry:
h=3 m=55
